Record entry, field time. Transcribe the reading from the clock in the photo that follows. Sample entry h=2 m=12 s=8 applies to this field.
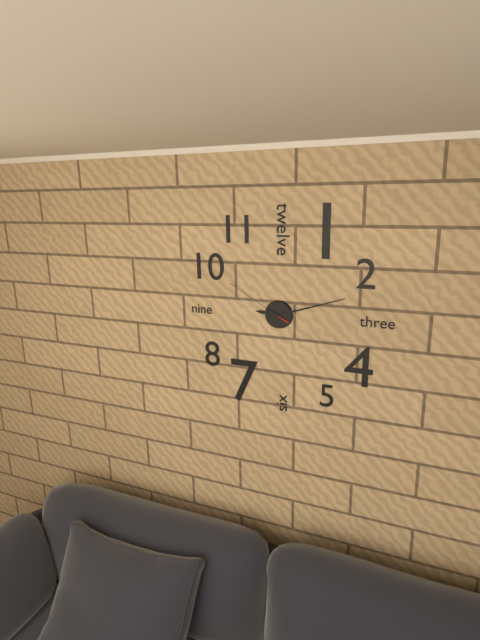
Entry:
h=9 m=12 s=50
